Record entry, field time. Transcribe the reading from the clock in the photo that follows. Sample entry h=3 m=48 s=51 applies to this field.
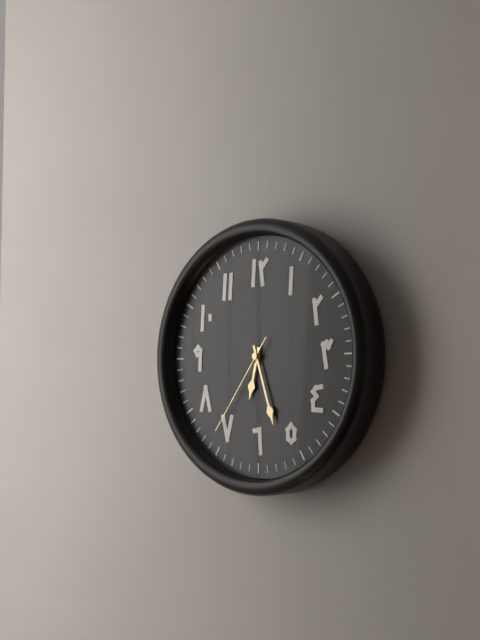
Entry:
h=6 m=27 s=36
